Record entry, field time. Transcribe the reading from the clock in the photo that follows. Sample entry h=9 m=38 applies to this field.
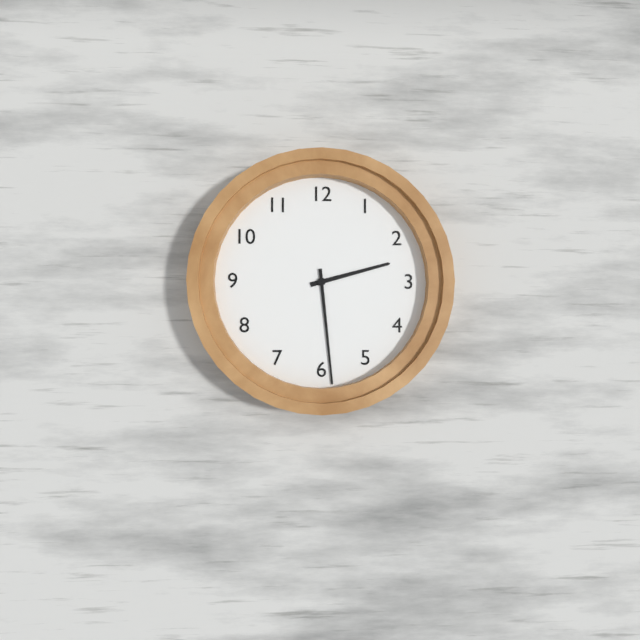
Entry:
h=2 m=29
